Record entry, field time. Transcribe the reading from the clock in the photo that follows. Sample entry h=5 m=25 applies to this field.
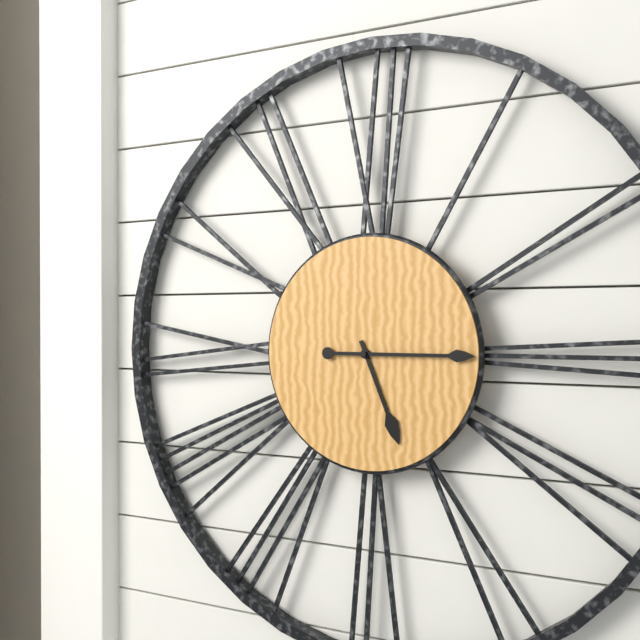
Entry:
h=5 m=15
